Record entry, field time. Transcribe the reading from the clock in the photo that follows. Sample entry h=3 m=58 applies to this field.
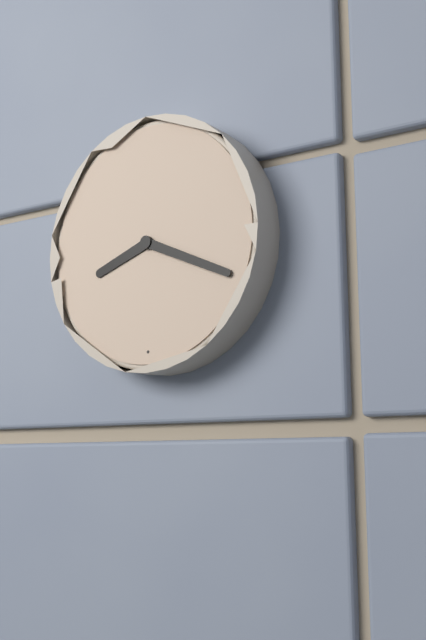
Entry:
h=8 m=19
